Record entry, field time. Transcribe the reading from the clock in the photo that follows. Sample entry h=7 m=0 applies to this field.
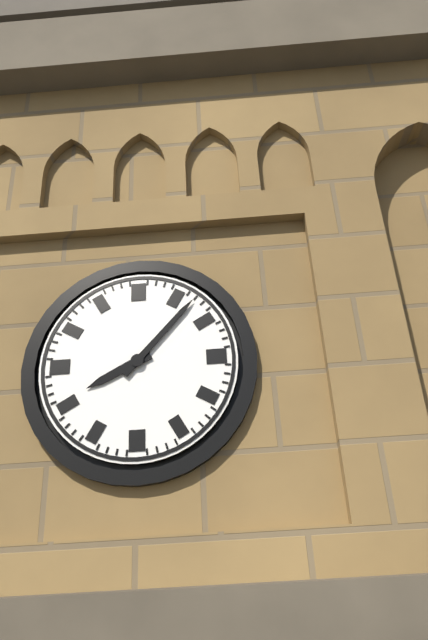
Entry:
h=8 m=7
